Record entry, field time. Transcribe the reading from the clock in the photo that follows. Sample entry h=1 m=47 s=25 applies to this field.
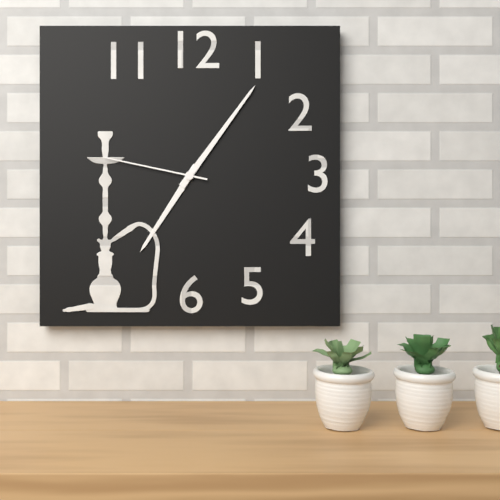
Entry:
h=7 m=6 s=47
